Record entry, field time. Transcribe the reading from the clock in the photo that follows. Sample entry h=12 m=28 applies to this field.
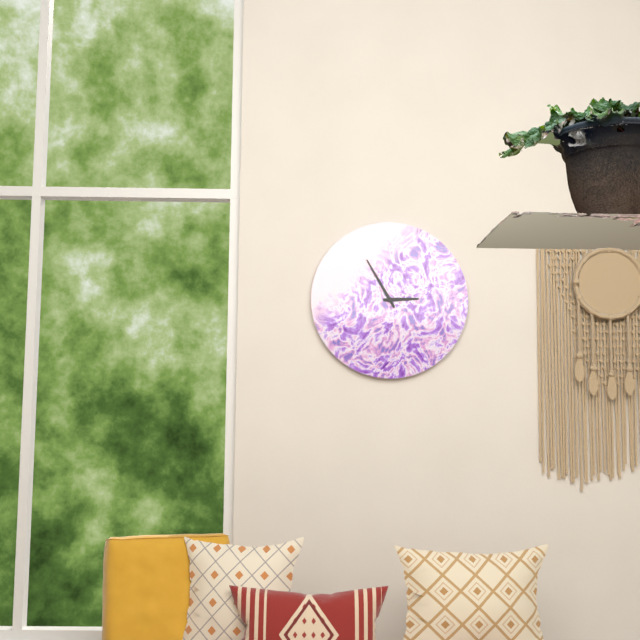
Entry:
h=2 m=55
